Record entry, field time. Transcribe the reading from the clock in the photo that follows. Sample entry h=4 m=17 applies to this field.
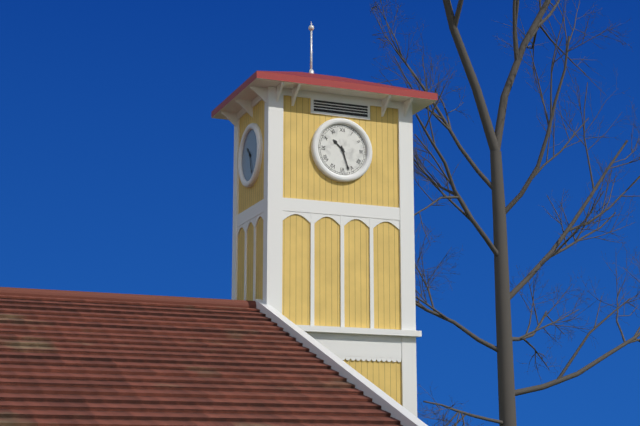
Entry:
h=10 m=27
